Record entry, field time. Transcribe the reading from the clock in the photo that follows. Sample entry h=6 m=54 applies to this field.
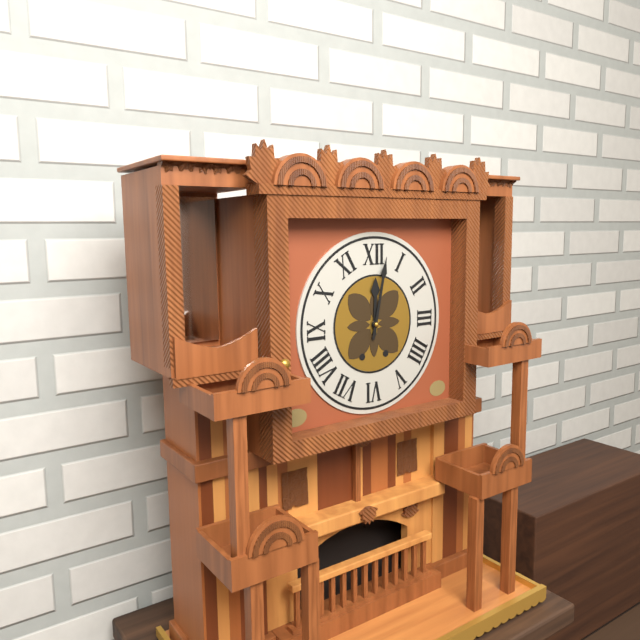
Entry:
h=12 m=2
